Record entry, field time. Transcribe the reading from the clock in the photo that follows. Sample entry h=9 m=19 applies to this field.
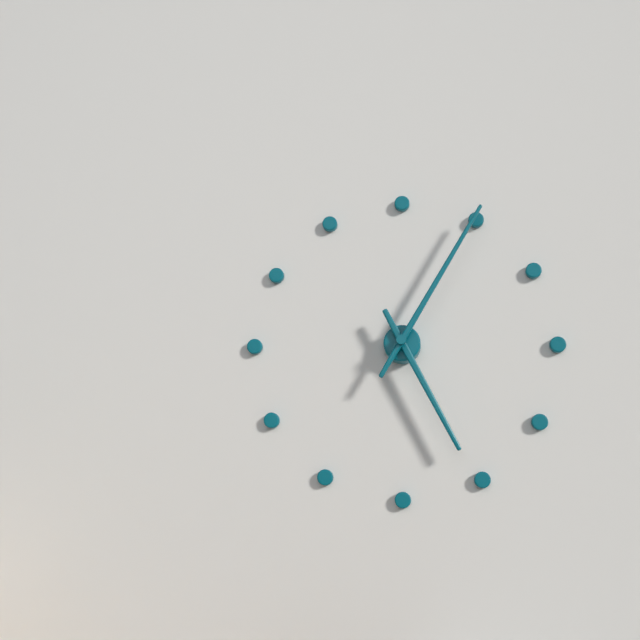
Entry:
h=5 m=5
